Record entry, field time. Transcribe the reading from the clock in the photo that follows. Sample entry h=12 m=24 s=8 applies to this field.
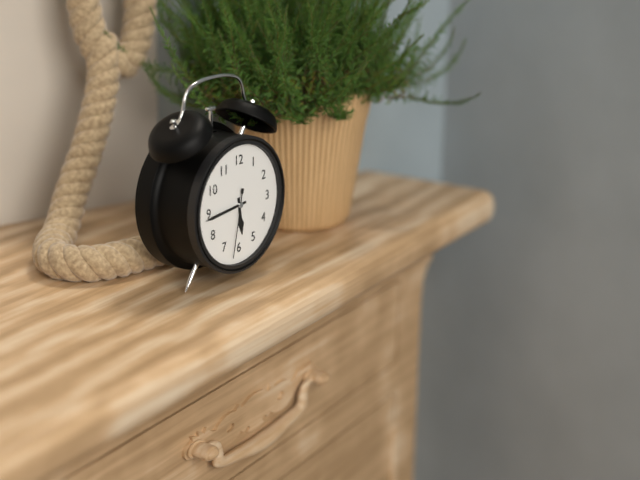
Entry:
h=5 m=44 s=32
